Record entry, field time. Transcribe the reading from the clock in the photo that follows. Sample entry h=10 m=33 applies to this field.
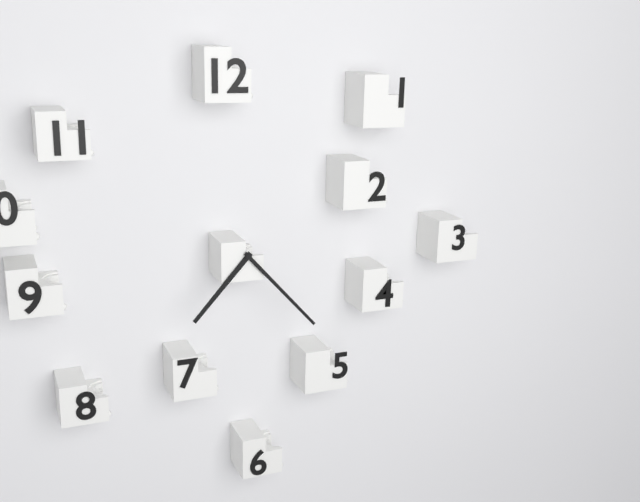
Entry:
h=7 m=23
